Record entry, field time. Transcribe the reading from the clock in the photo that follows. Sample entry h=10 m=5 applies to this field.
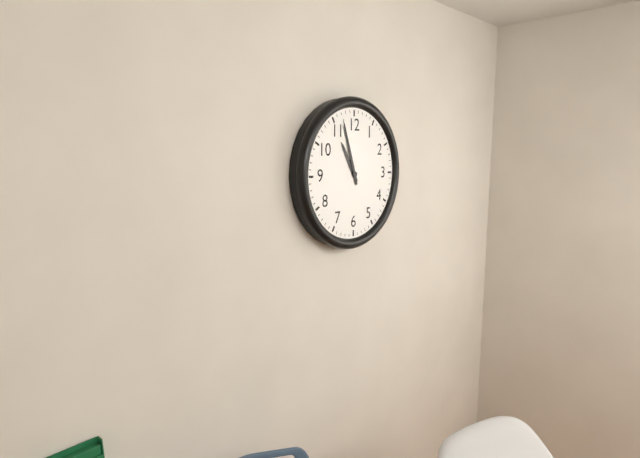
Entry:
h=10 m=57
